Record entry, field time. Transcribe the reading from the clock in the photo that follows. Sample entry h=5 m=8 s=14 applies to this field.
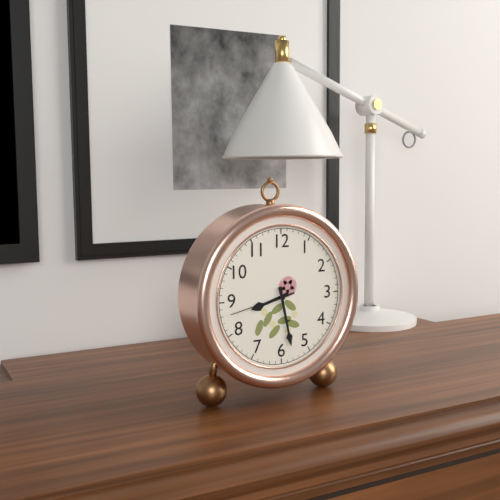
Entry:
h=8 m=28 s=43
